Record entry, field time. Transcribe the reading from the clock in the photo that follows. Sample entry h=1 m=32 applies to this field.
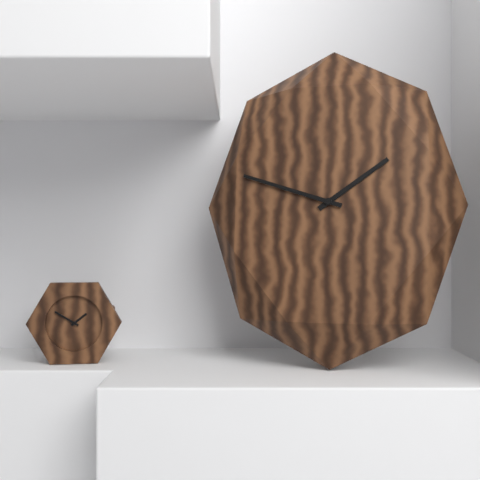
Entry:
h=1 m=48
